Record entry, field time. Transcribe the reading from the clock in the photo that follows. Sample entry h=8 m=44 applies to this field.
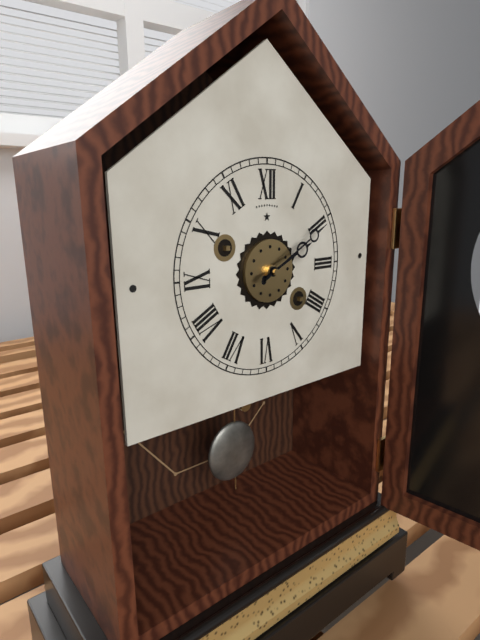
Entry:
h=2 m=10
